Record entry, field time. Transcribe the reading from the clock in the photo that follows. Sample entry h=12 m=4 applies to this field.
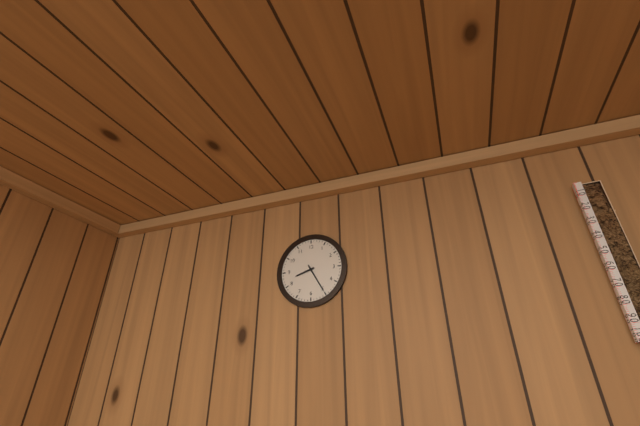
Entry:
h=8 m=25
